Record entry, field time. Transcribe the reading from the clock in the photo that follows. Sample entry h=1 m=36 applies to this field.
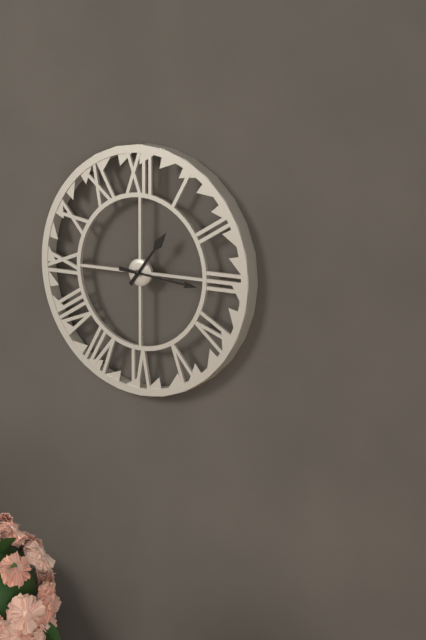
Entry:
h=1 m=16
